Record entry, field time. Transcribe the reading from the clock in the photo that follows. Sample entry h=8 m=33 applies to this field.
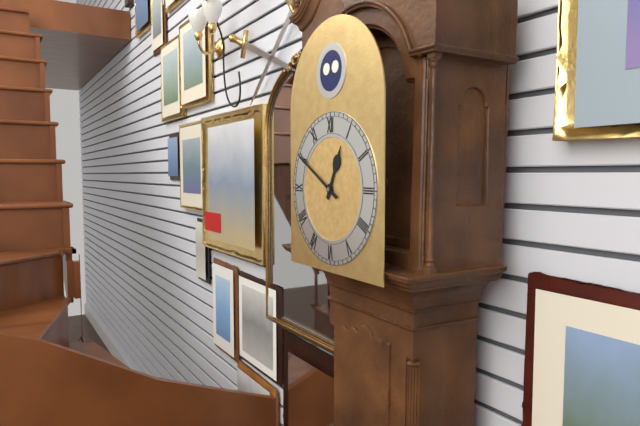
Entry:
h=12 m=50
